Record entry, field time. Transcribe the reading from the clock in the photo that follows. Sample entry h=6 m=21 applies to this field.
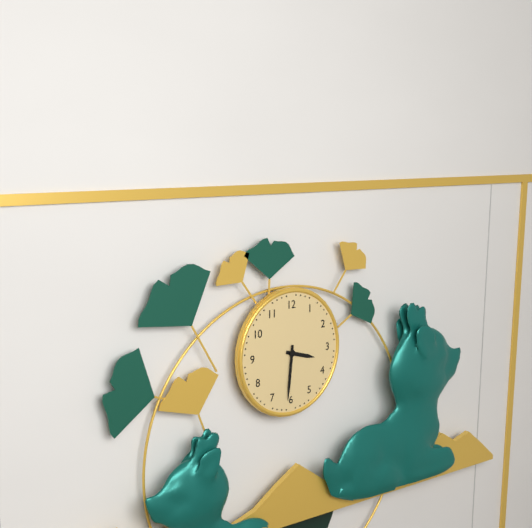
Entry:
h=3 m=31
